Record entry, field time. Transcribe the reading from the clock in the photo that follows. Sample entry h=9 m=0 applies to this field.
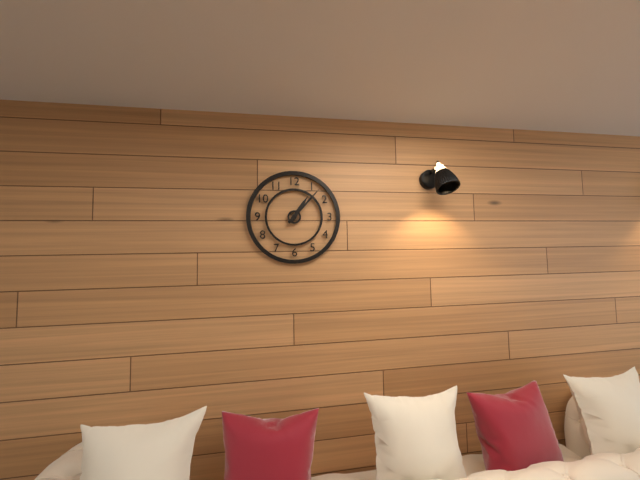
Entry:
h=1 m=7
